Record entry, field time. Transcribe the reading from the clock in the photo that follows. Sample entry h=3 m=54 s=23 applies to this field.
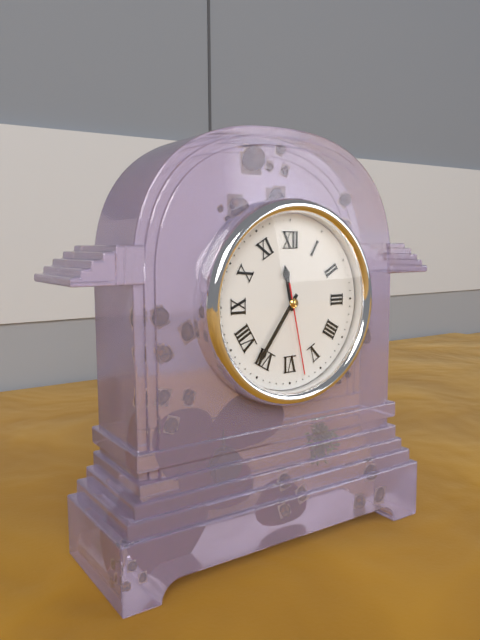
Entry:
h=11 m=36 s=28
